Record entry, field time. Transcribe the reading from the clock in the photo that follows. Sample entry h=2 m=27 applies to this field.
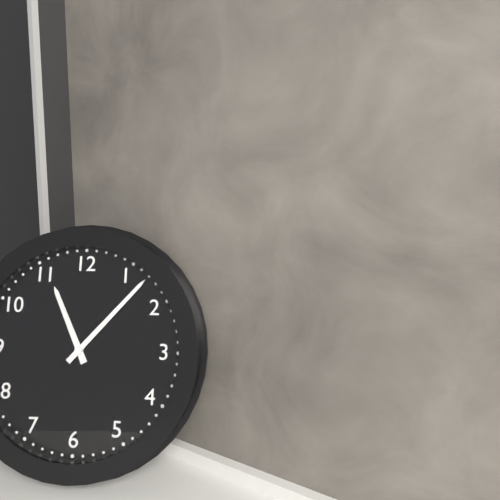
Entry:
h=11 m=7
